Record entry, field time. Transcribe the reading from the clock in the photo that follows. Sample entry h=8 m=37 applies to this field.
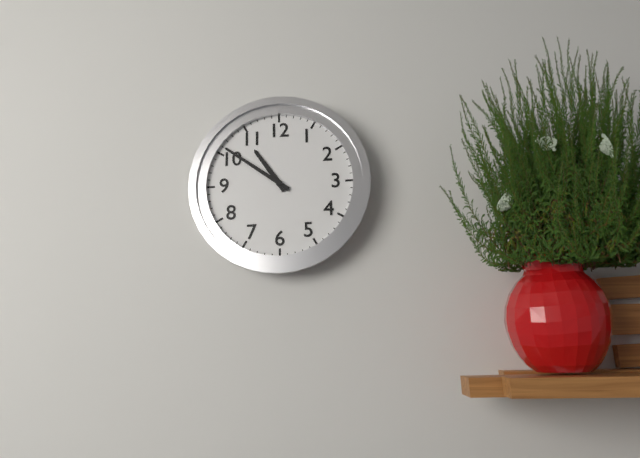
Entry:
h=10 m=51
